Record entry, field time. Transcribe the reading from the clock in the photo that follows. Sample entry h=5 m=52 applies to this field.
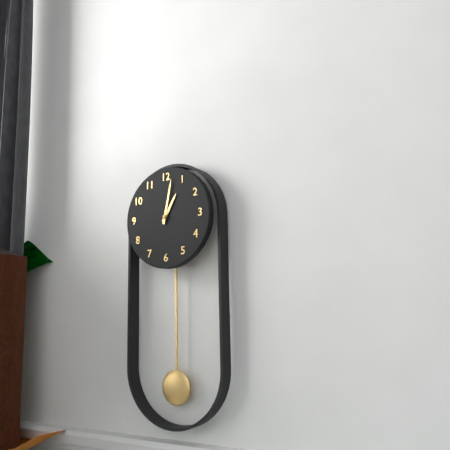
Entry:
h=1 m=2
